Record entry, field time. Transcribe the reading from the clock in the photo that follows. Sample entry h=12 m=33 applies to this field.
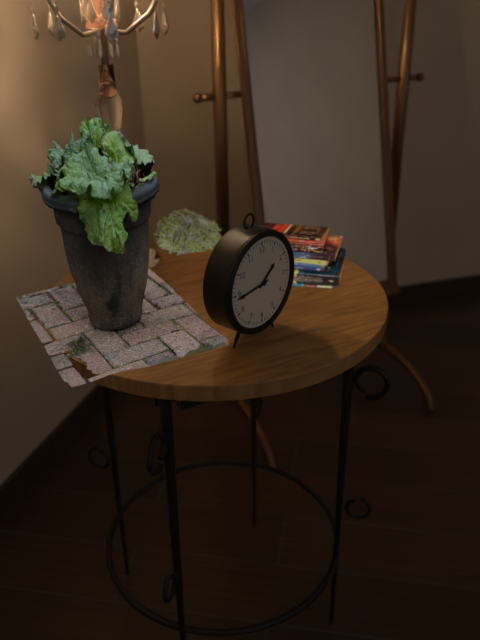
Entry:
h=1 m=44
